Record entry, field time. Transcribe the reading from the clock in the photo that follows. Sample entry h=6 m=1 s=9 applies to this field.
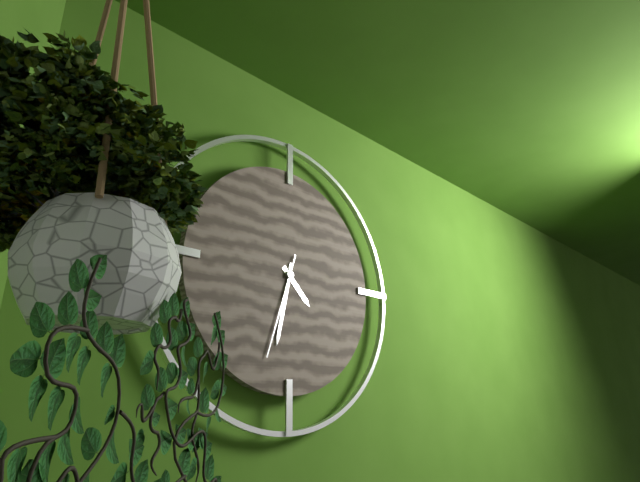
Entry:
h=4 m=32 s=33
